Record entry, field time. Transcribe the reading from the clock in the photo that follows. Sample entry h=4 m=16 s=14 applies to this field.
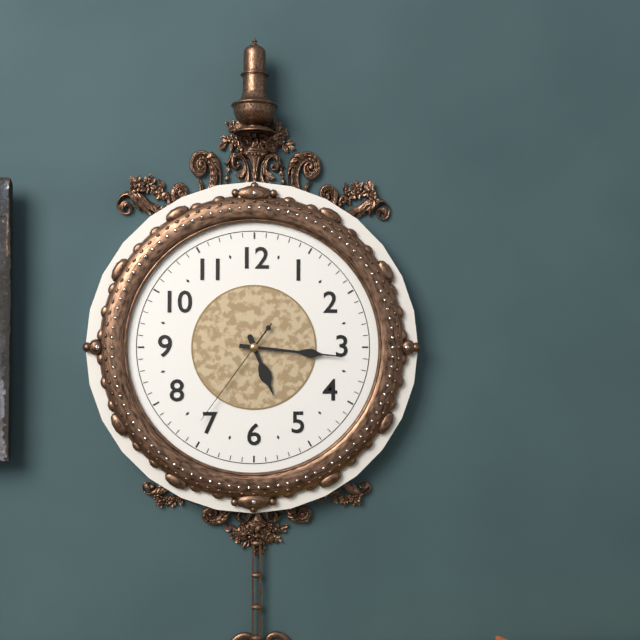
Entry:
h=5 m=16 s=36
